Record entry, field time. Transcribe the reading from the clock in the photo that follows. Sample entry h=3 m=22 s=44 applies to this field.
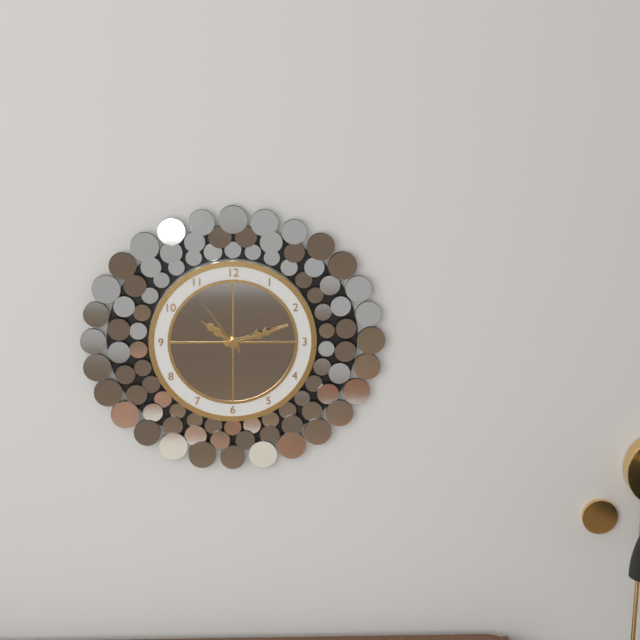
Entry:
h=10 m=12 s=54
